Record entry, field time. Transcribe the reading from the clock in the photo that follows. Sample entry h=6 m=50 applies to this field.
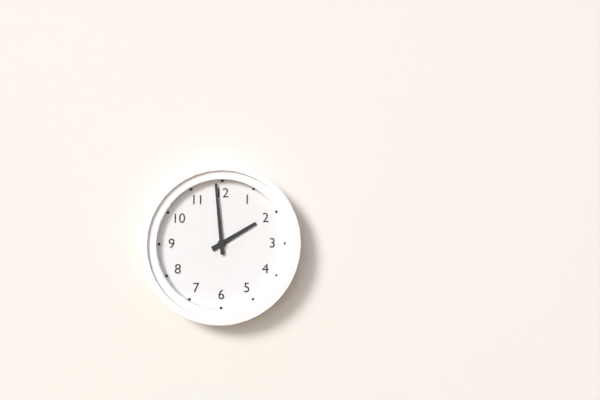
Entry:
h=1 m=59
